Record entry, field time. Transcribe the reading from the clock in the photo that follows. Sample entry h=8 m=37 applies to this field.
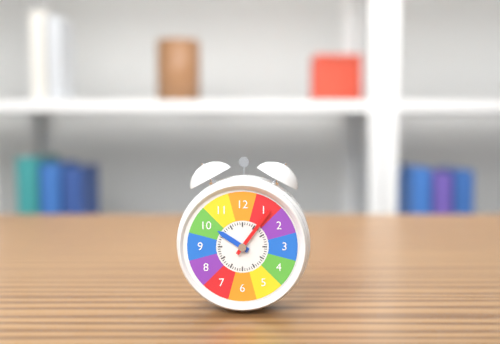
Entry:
h=10 m=6
